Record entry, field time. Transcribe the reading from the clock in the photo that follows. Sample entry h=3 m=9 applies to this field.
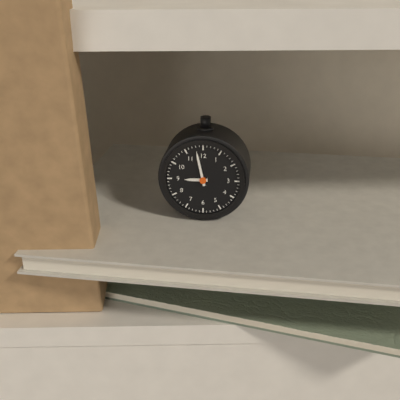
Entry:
h=8 m=58
